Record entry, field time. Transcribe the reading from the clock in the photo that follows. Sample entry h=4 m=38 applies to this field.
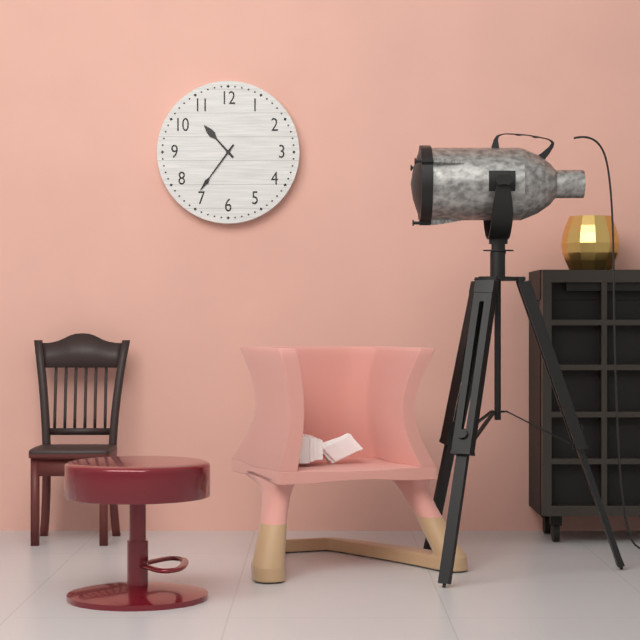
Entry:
h=10 m=36
